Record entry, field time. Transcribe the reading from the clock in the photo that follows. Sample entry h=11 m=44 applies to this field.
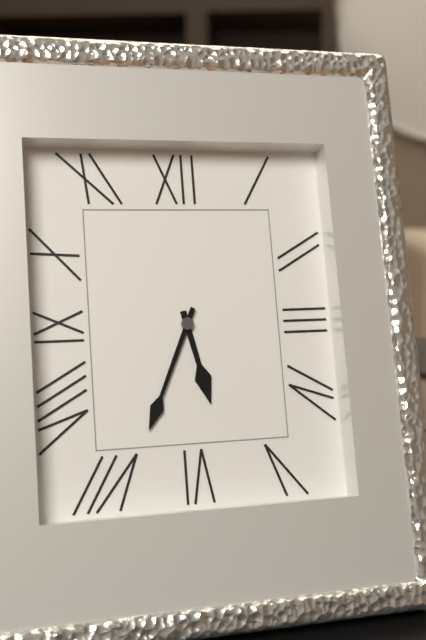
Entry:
h=5 m=34
